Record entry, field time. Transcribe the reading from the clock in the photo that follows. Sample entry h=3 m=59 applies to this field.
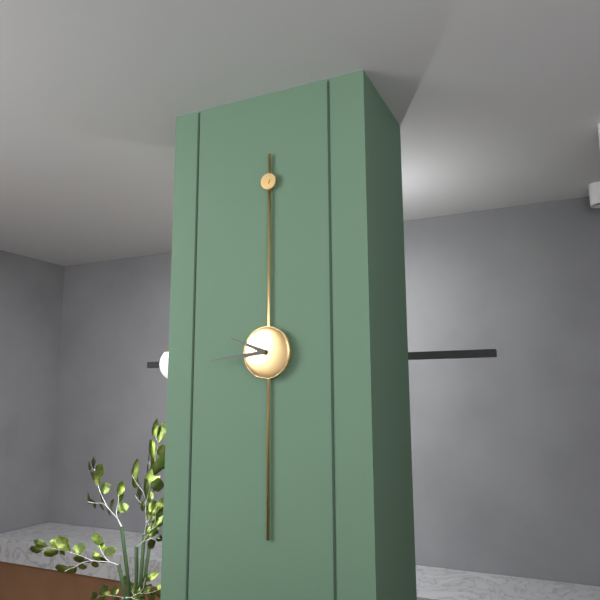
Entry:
h=9 m=44
